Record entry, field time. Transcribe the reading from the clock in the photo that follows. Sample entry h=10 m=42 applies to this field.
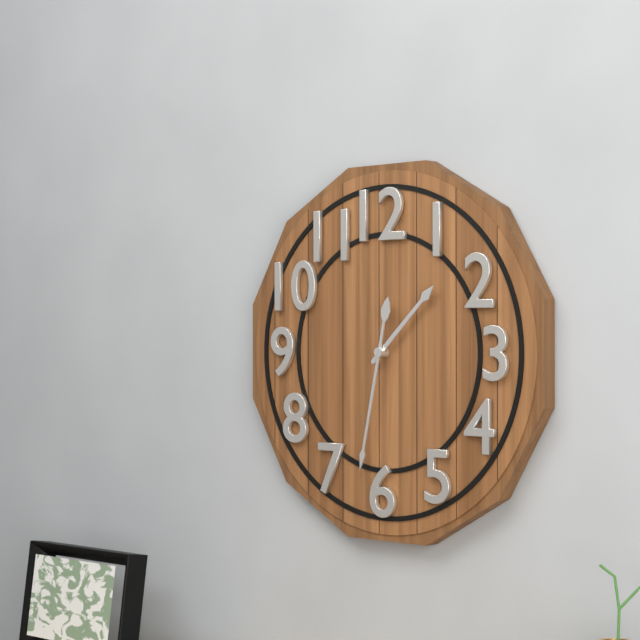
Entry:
h=1 m=32
